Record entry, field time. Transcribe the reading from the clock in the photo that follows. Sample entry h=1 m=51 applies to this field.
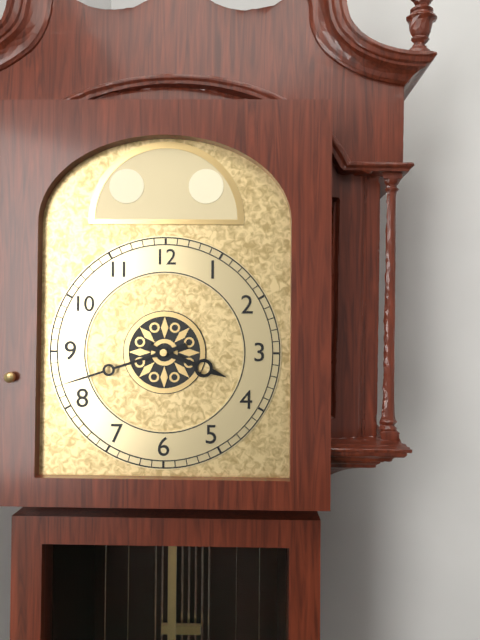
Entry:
h=3 m=42
